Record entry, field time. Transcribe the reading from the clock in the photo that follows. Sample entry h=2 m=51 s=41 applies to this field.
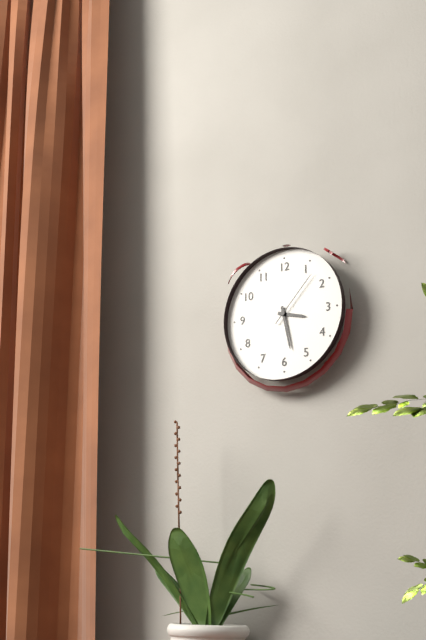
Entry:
h=3 m=28 s=7
